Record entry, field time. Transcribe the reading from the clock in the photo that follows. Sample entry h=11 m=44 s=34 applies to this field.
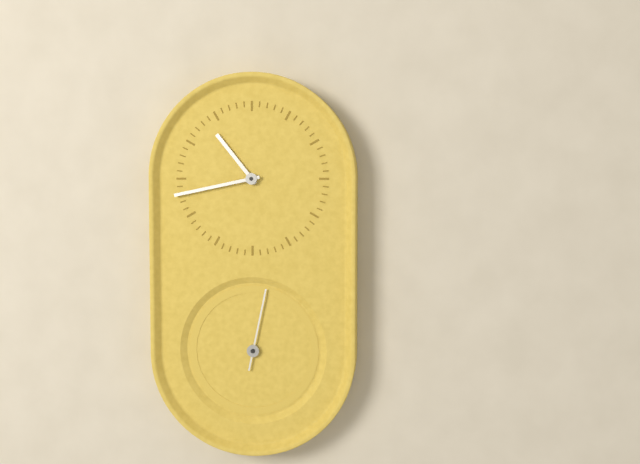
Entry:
h=10 m=43 s=2
